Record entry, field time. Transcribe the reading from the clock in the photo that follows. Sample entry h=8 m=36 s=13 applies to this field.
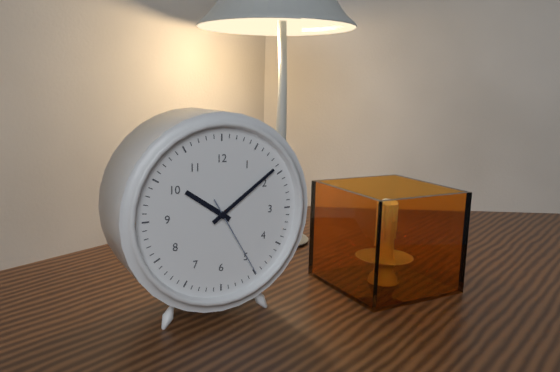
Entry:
h=10 m=9 s=25
